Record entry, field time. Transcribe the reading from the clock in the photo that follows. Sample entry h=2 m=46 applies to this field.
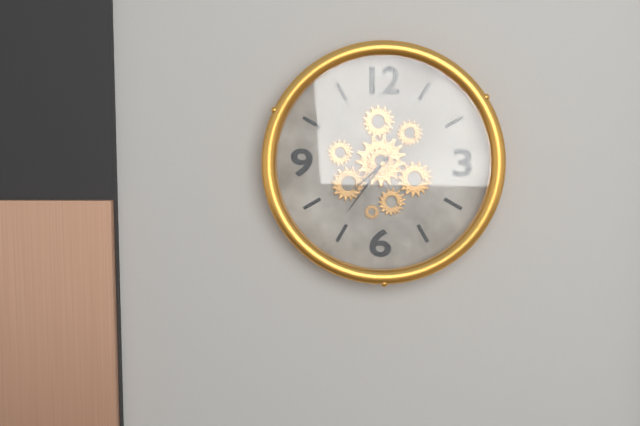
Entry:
h=7 m=36
